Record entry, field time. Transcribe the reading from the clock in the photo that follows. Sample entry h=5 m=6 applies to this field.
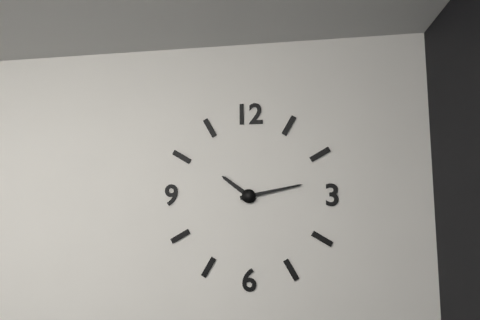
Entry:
h=10 m=13
